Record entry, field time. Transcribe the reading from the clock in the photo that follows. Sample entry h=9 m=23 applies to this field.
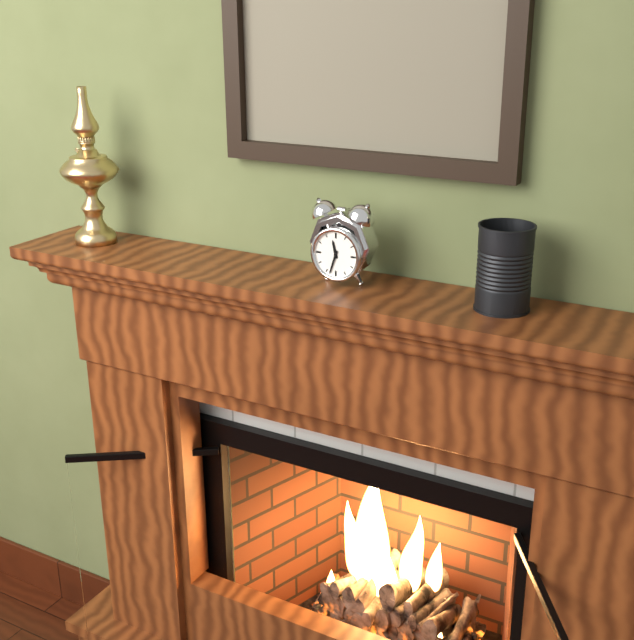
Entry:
h=11 m=33
